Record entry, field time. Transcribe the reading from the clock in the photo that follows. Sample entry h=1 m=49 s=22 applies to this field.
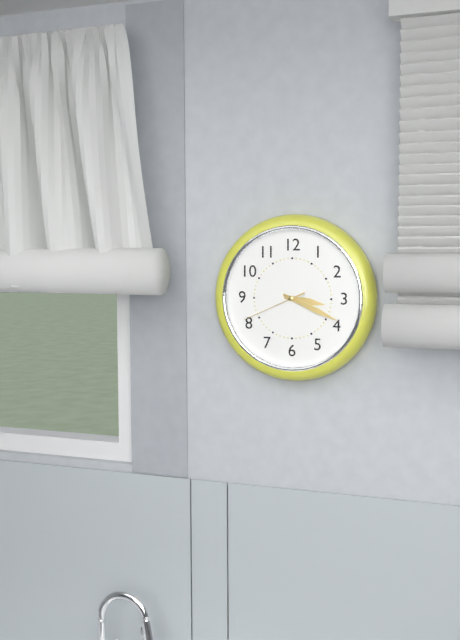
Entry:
h=3 m=19 s=41
